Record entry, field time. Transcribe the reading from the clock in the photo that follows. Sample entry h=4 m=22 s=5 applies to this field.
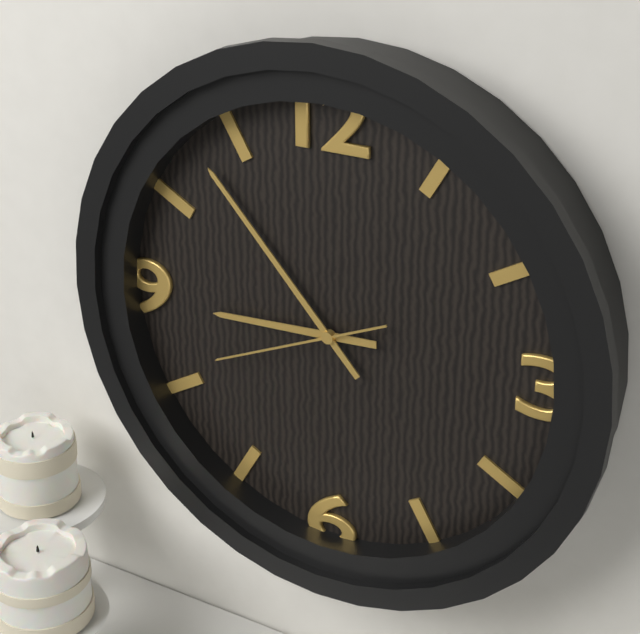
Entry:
h=8 m=53 s=41
